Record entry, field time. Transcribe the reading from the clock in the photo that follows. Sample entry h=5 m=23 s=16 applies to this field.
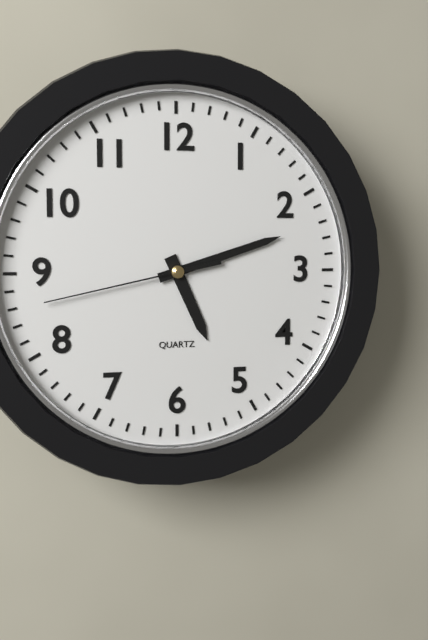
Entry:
h=5 m=12 s=43
